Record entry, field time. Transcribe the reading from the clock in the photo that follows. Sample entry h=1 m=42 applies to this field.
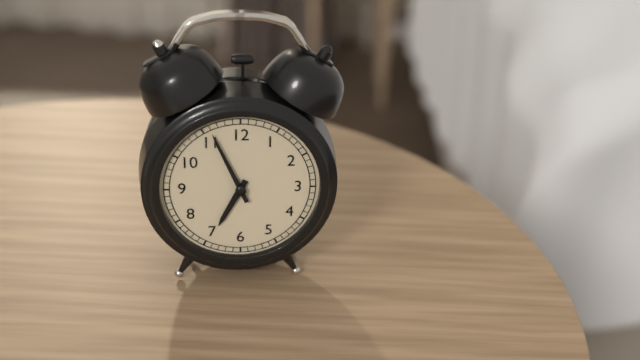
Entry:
h=6 m=56
